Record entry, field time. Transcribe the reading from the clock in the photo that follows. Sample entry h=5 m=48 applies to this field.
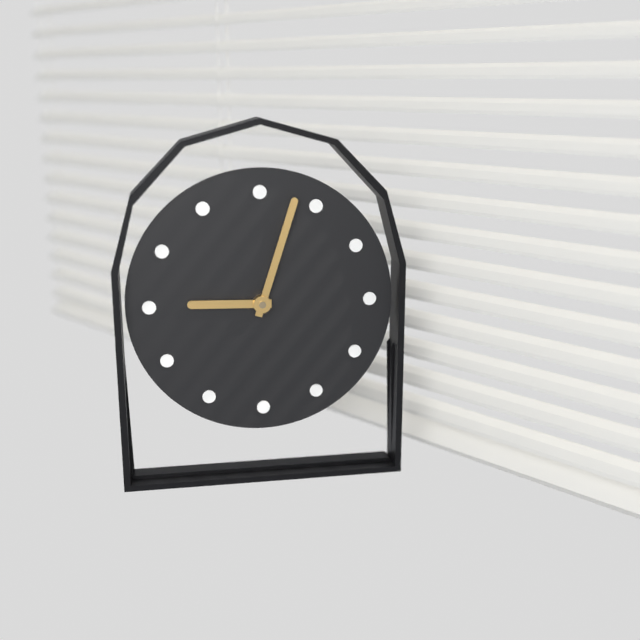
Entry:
h=9 m=3
